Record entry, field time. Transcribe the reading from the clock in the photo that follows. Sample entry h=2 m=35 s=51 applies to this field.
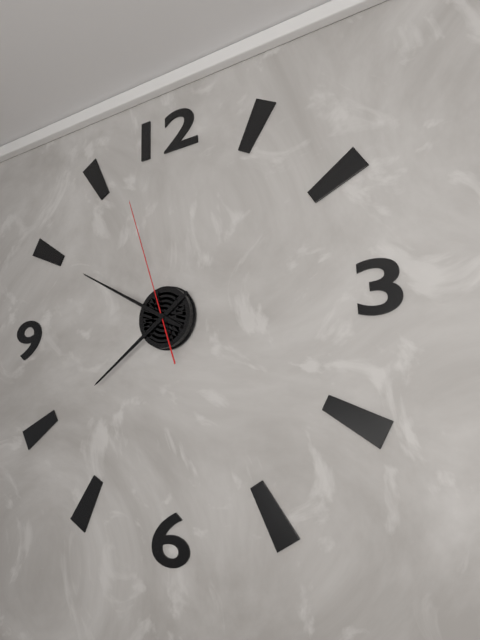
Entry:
h=7 m=50 s=57
